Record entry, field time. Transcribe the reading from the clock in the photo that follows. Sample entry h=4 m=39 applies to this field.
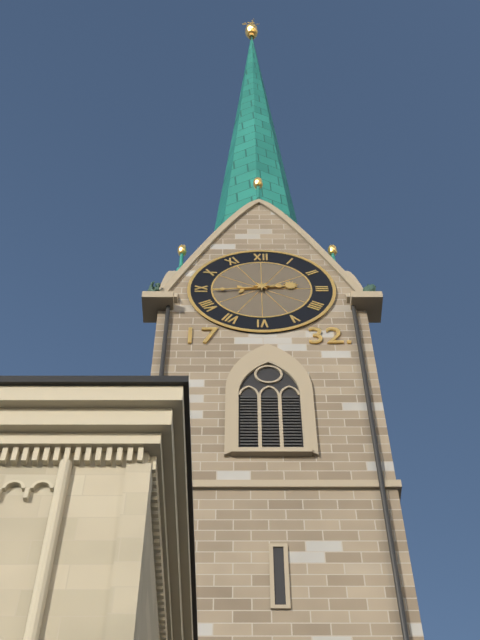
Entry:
h=2 m=44
